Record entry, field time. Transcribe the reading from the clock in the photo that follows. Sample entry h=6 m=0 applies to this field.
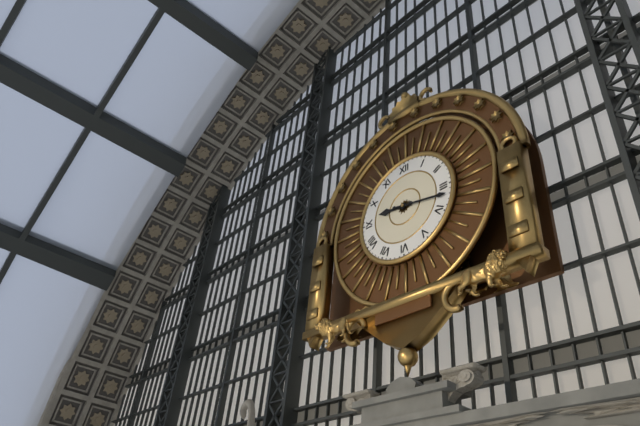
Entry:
h=9 m=17
